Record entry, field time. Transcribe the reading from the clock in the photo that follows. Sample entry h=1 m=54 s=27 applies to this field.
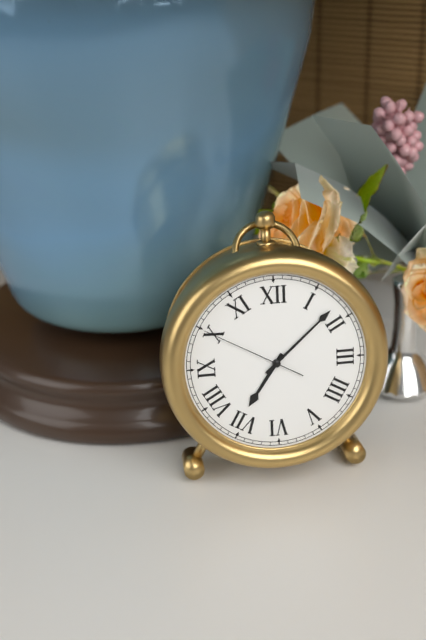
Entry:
h=7 m=8 s=50
